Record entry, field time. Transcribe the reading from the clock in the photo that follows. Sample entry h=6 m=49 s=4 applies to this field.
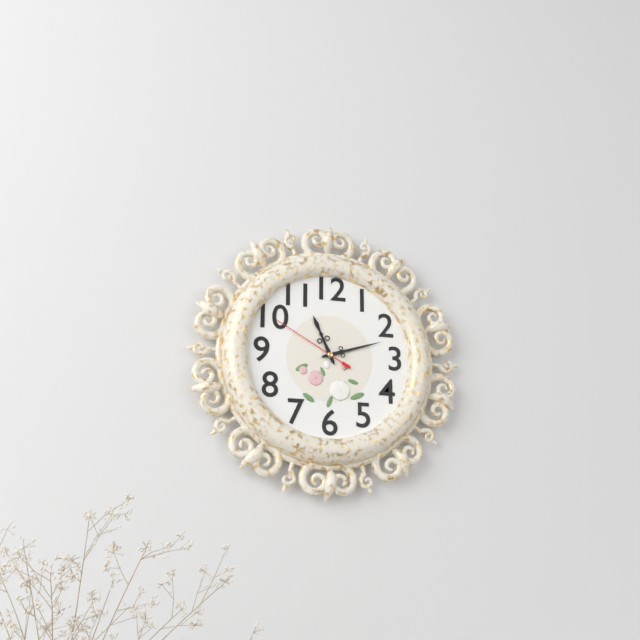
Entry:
h=11 m=12 s=50
